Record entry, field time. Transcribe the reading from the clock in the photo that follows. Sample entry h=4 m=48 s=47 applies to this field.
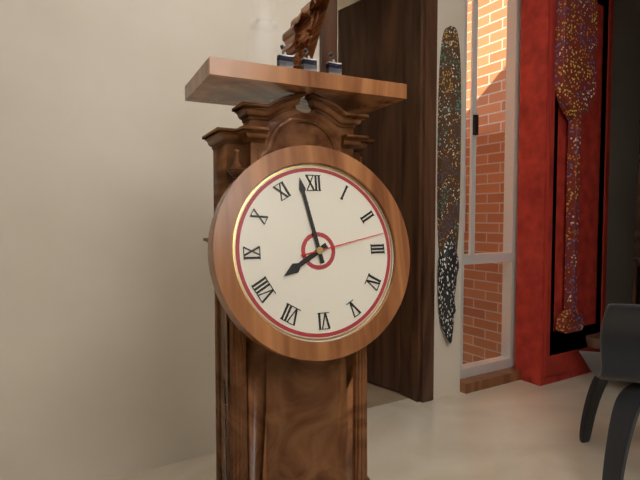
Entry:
h=7 m=58 s=13
